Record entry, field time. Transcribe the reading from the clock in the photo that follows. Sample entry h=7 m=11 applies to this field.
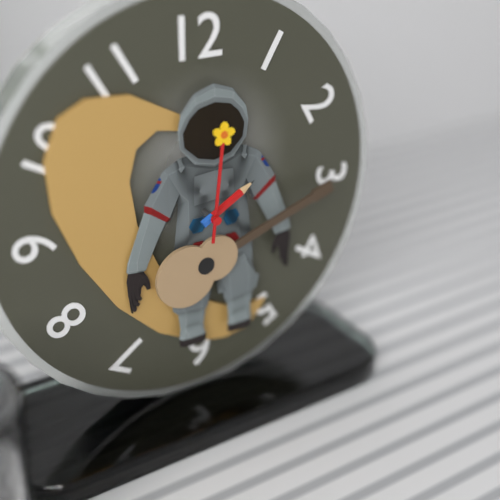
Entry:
h=2 m=1
